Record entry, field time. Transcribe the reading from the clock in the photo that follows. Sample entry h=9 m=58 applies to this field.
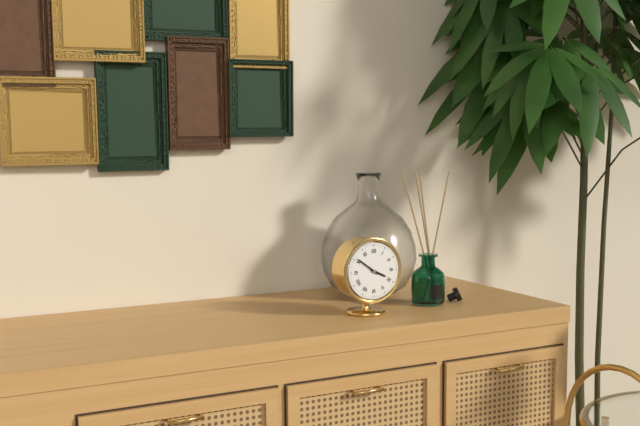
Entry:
h=3 m=51
